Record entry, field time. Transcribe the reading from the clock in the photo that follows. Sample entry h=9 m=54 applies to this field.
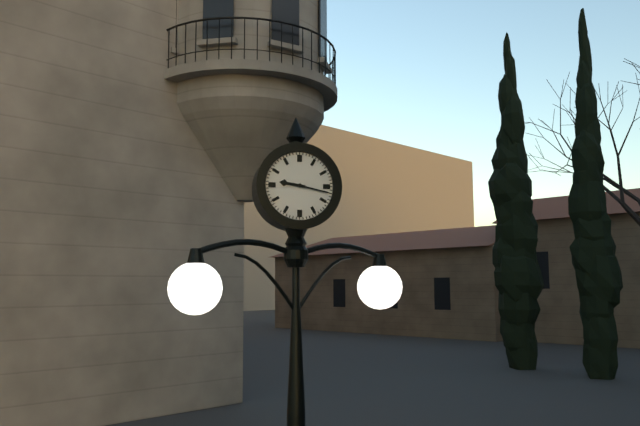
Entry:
h=9 m=17
